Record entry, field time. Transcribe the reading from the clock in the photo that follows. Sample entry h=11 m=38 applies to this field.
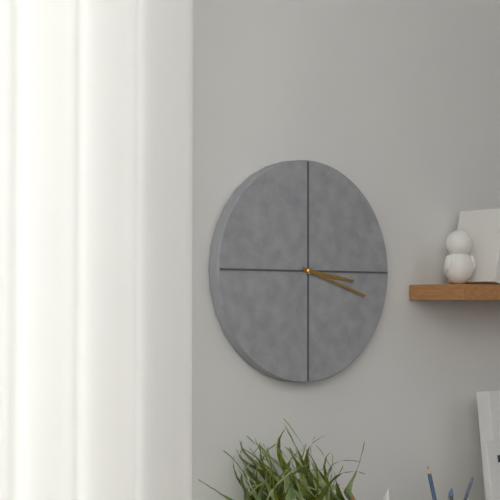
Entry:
h=3 m=18
